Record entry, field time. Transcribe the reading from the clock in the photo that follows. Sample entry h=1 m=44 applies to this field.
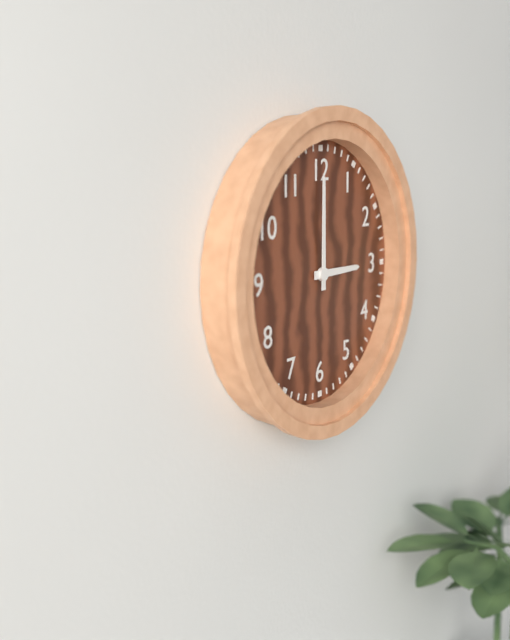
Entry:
h=3 m=0
